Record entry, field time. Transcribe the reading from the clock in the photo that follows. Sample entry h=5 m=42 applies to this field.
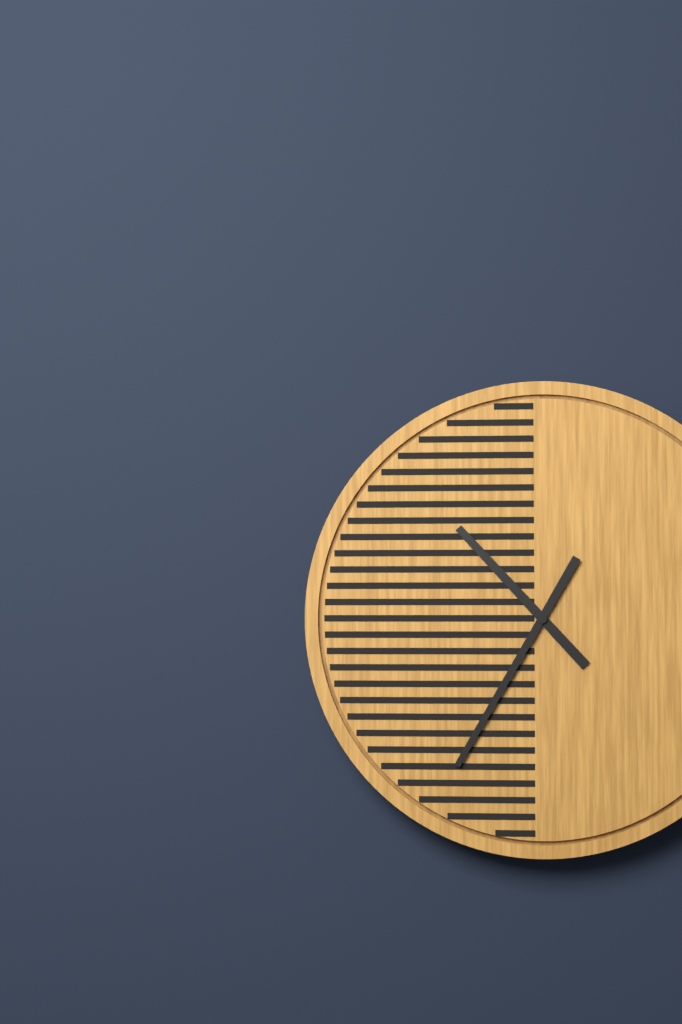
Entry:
h=10 m=35
